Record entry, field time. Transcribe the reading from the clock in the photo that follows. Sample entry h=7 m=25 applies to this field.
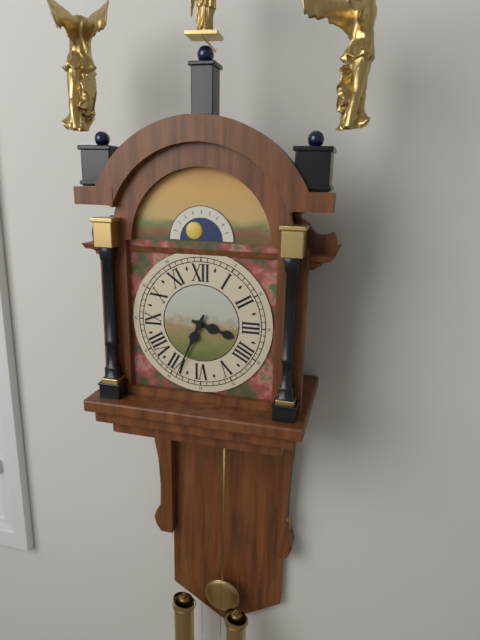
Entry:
h=3 m=34
